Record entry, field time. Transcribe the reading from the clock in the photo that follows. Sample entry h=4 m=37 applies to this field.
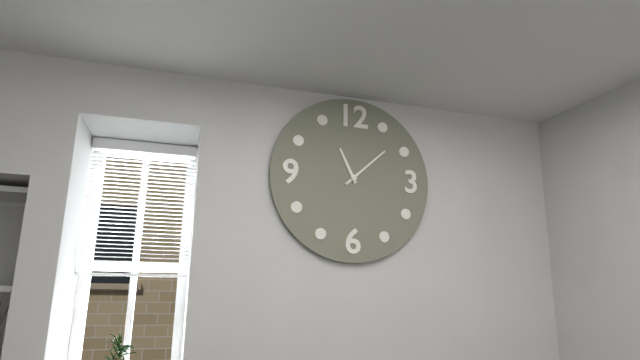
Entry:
h=11 m=8
